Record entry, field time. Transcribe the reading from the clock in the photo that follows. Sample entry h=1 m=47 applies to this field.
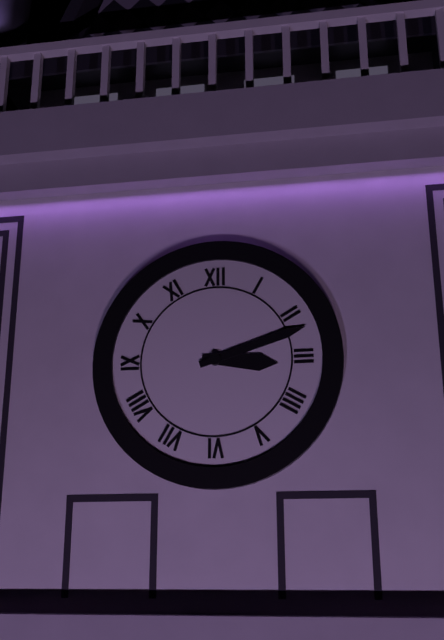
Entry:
h=3 m=12
